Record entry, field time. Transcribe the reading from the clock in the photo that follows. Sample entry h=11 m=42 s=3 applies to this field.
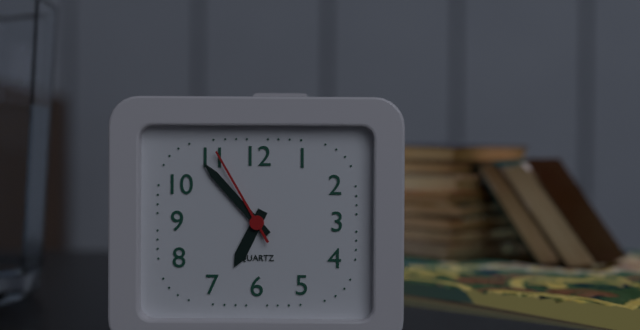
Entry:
h=6 m=53 s=55
